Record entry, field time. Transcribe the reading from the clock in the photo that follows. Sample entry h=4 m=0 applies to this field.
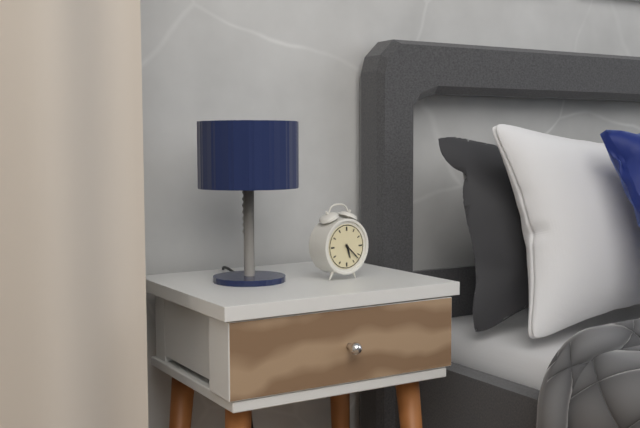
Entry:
h=5 m=22
